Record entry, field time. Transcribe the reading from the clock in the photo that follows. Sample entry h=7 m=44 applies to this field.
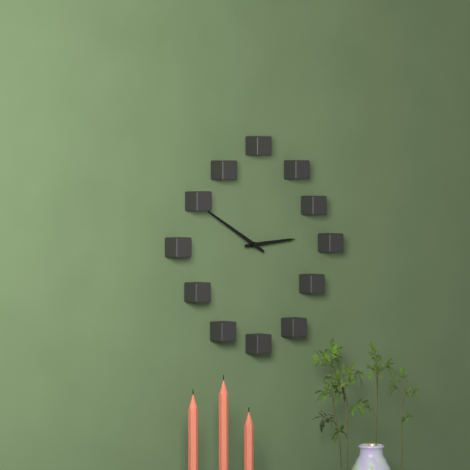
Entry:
h=2 m=50
